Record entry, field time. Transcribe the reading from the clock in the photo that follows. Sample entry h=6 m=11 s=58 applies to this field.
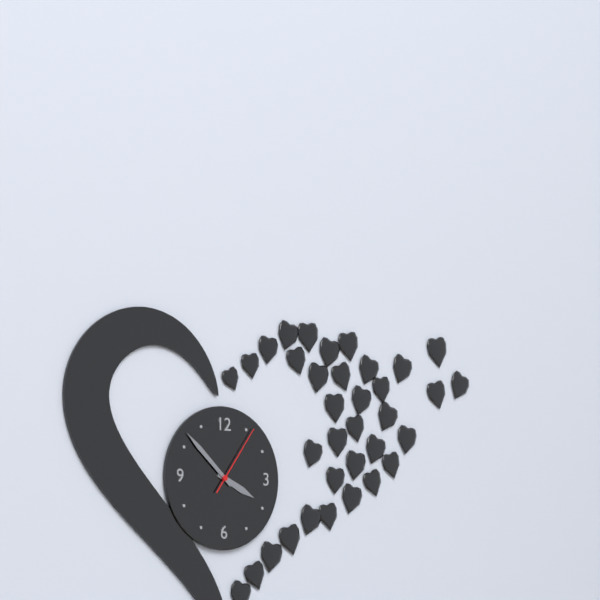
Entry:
h=3 m=52 s=6
